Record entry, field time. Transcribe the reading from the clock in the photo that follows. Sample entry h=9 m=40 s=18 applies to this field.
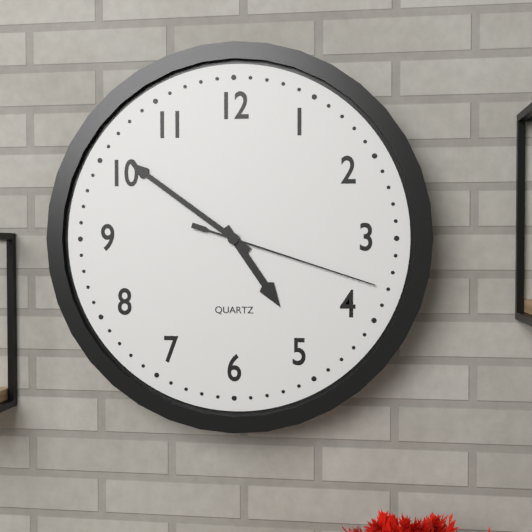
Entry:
h=4 m=51 s=18
